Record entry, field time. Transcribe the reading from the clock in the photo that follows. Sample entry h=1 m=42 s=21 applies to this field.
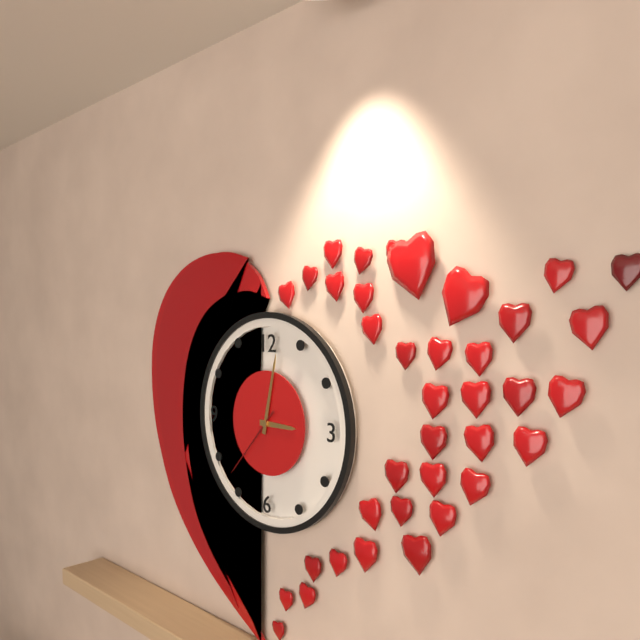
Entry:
h=3 m=2 s=37
